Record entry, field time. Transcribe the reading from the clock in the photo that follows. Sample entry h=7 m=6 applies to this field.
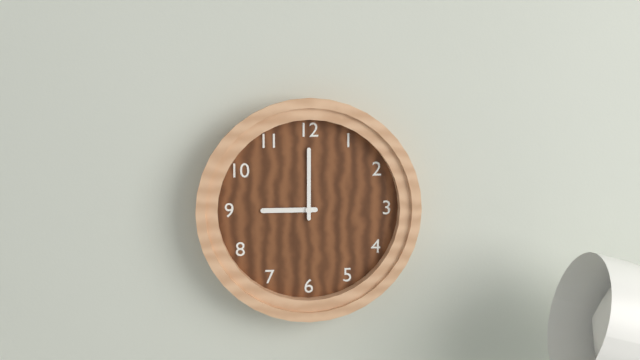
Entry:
h=9 m=0
